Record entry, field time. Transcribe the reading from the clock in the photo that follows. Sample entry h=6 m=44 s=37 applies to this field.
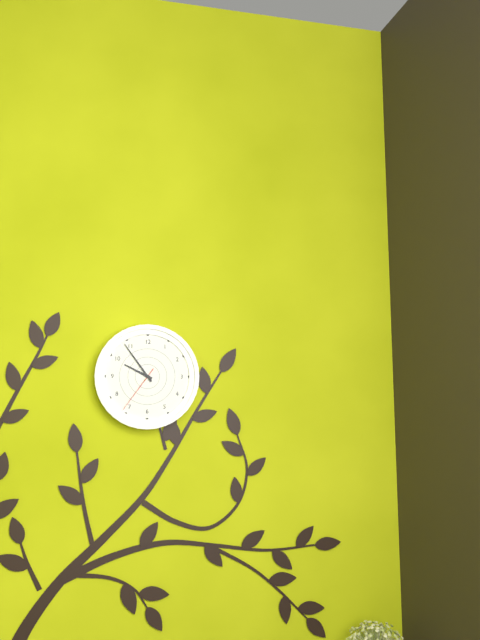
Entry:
h=9 m=54 s=36
